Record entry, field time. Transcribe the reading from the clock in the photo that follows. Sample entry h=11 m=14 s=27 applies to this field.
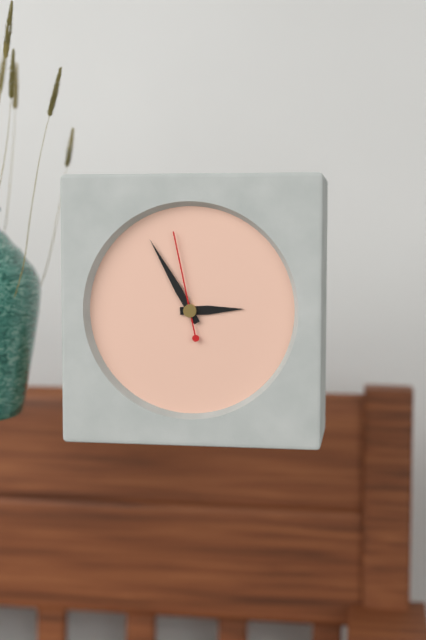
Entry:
h=2 m=55 s=58
